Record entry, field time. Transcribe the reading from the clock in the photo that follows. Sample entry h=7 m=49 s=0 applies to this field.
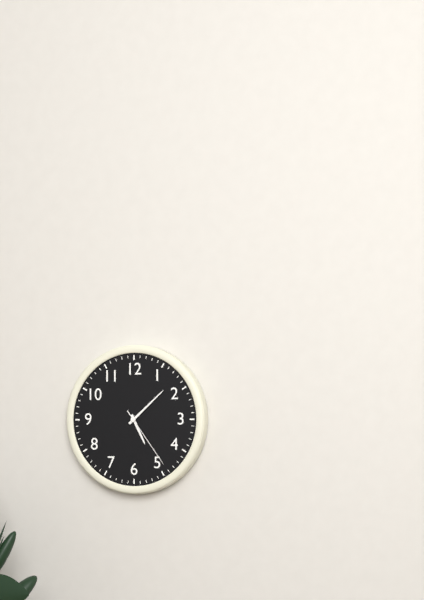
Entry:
h=5 m=8 s=24
